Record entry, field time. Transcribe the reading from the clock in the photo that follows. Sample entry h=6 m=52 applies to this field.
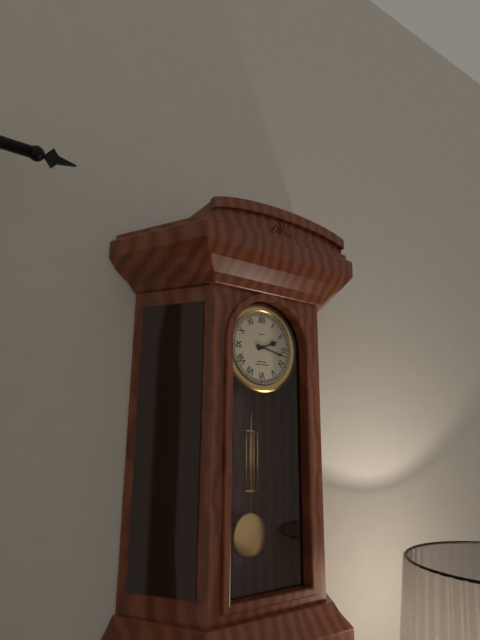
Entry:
h=2 m=17
